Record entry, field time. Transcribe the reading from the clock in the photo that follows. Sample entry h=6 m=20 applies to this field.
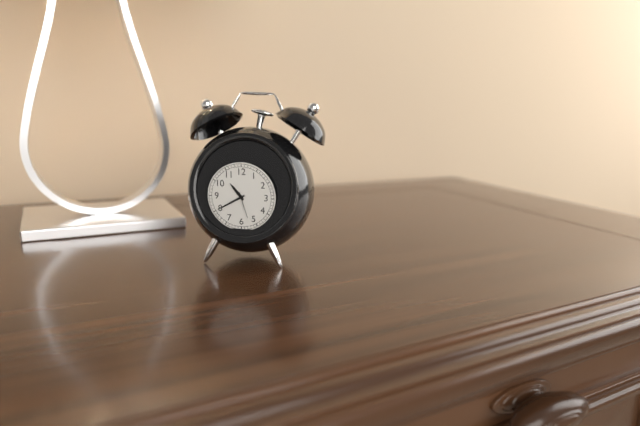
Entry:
h=10 m=40
